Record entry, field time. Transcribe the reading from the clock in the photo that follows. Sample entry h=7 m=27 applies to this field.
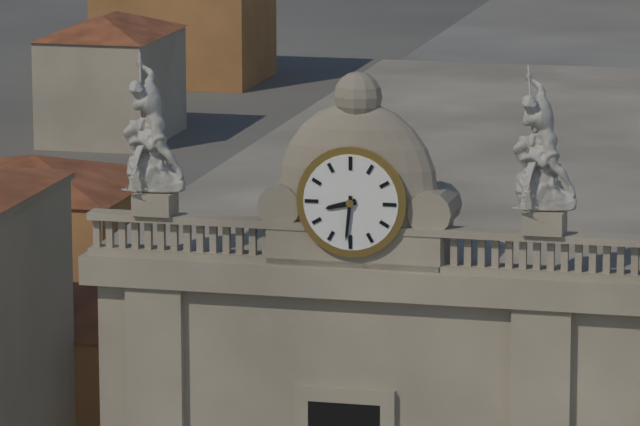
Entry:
h=8 m=31
